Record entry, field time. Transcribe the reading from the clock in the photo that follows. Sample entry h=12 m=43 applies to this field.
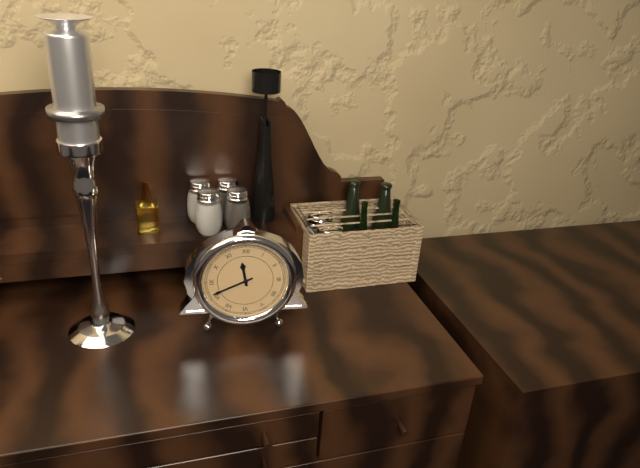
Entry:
h=11 m=41
